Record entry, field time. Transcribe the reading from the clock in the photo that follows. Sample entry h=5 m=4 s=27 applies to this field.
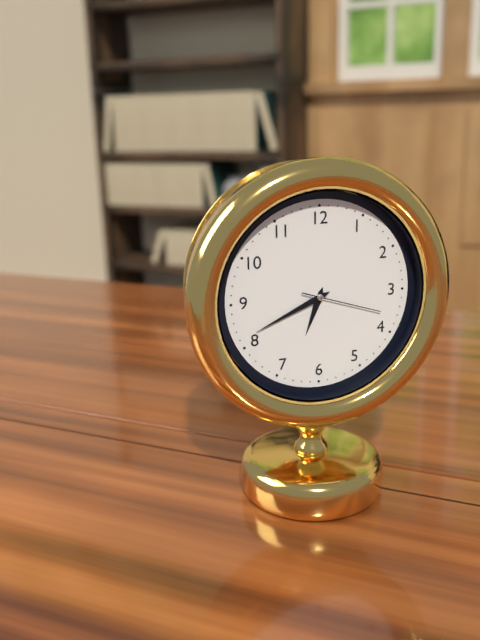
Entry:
h=6 m=41 s=18
